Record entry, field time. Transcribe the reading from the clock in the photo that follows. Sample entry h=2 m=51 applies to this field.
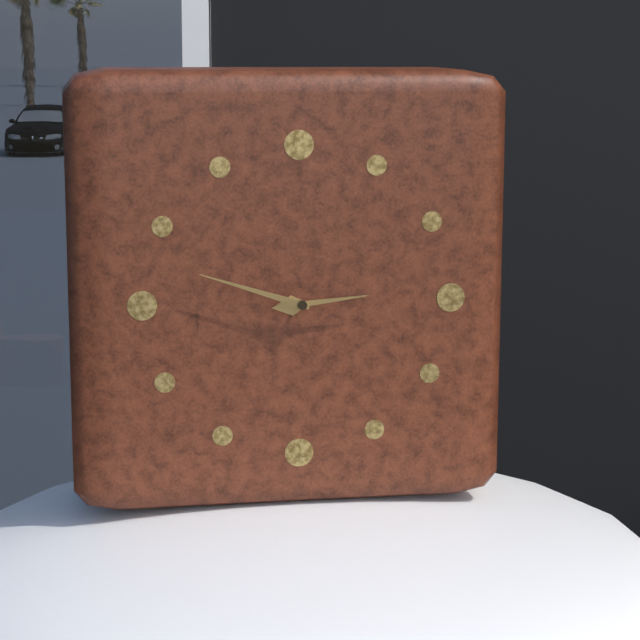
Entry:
h=2 m=48
